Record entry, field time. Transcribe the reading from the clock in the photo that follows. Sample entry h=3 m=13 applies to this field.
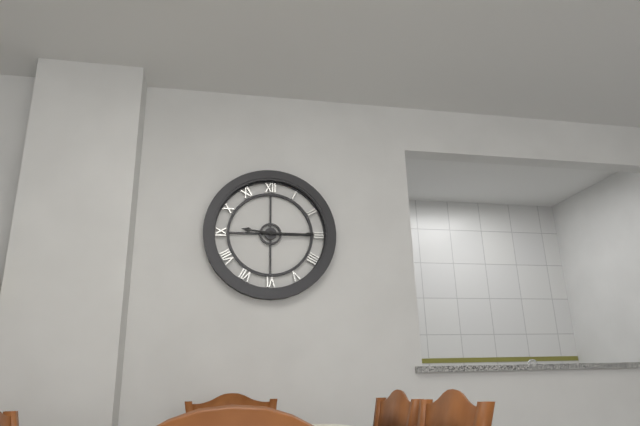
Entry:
h=9 m=15
